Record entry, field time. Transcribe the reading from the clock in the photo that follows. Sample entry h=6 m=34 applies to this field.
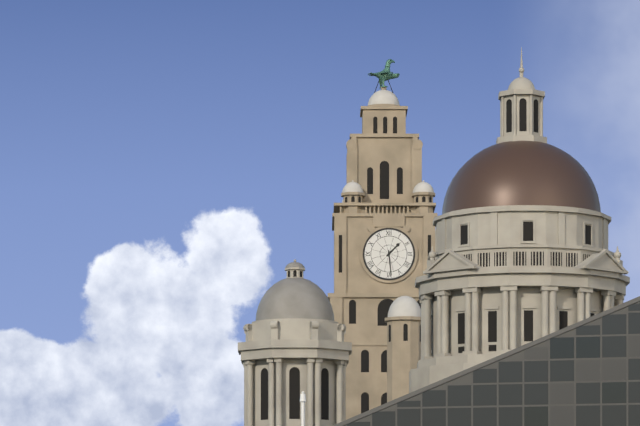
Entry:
h=1 m=29
